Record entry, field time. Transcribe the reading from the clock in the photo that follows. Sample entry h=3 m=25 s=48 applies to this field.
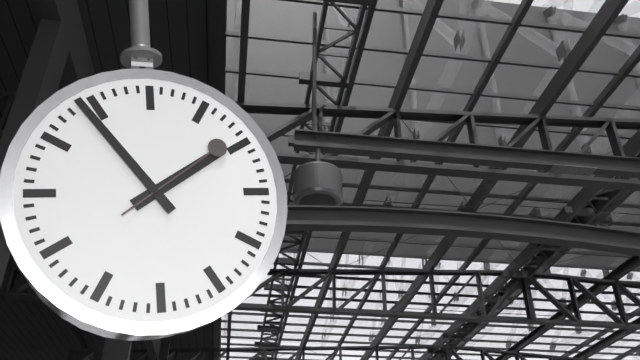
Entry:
h=1 m=54 s=9
